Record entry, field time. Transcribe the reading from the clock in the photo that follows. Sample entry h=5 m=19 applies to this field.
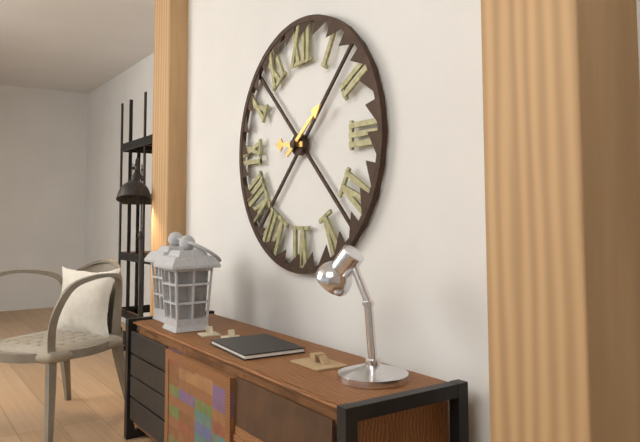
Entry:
h=9 m=9
